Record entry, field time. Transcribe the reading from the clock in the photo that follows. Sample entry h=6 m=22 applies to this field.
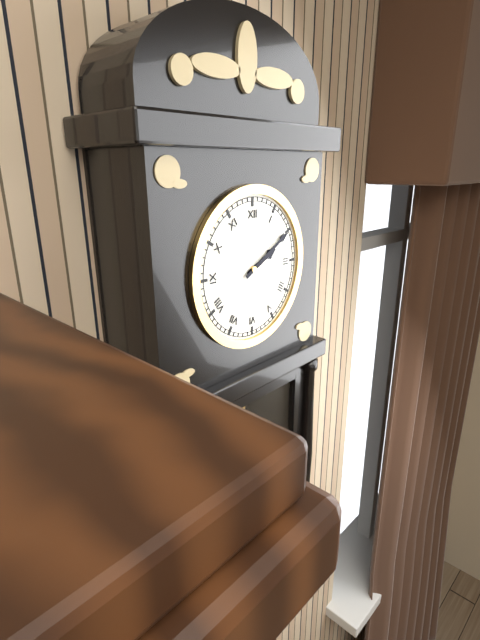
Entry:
h=2 m=10
